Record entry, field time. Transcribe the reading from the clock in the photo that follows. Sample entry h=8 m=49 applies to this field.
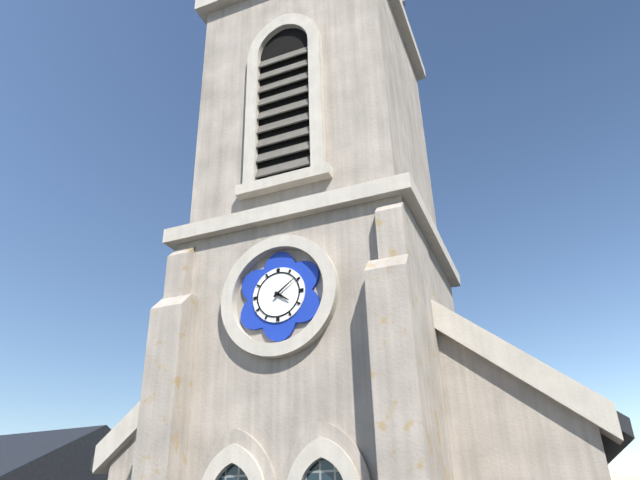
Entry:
h=4 m=9
